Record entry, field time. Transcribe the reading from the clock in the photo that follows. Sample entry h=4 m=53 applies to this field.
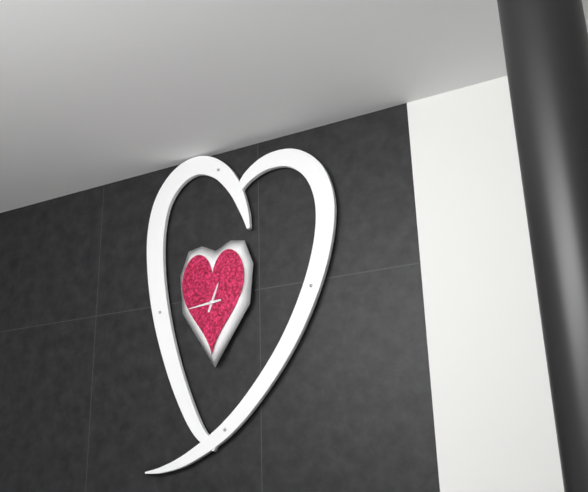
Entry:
h=12 m=44
